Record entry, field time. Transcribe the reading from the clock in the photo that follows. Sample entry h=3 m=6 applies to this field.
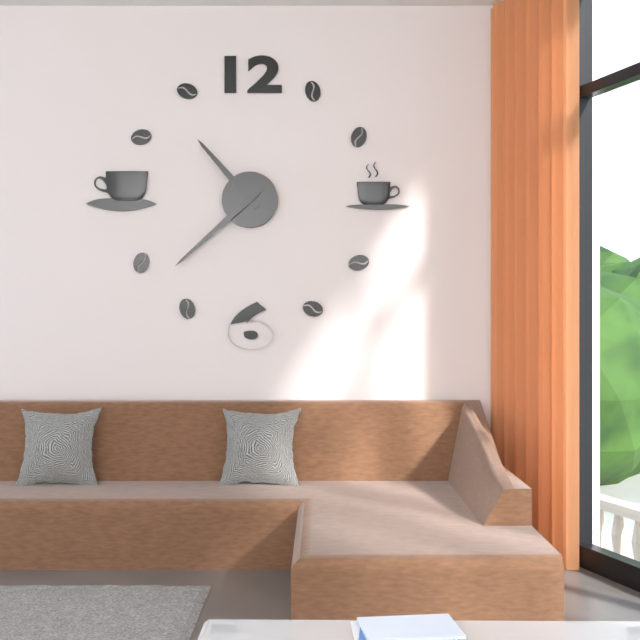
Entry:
h=10 m=38
